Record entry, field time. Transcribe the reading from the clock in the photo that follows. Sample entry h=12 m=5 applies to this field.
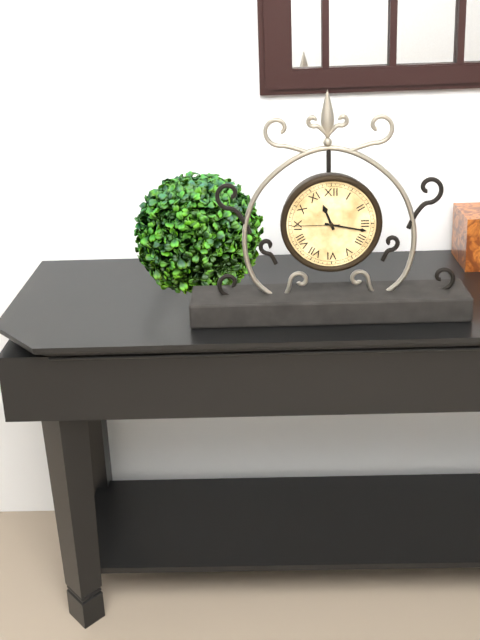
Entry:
h=11 m=17
